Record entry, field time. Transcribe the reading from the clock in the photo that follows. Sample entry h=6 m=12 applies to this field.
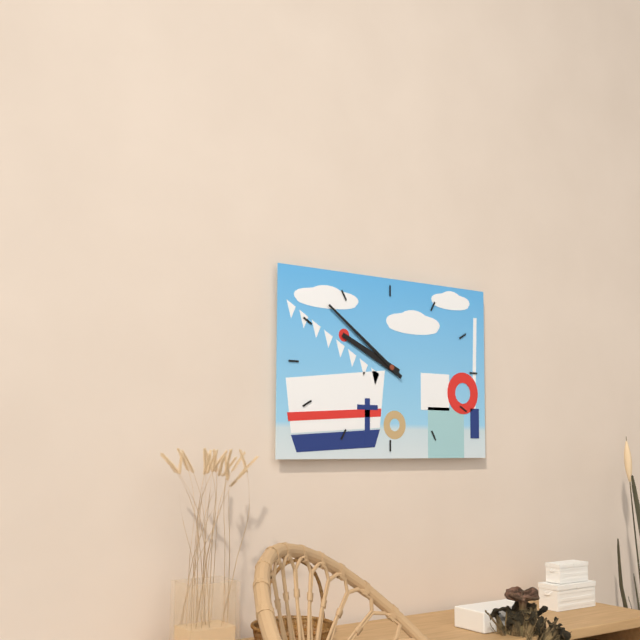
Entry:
h=9 m=51
